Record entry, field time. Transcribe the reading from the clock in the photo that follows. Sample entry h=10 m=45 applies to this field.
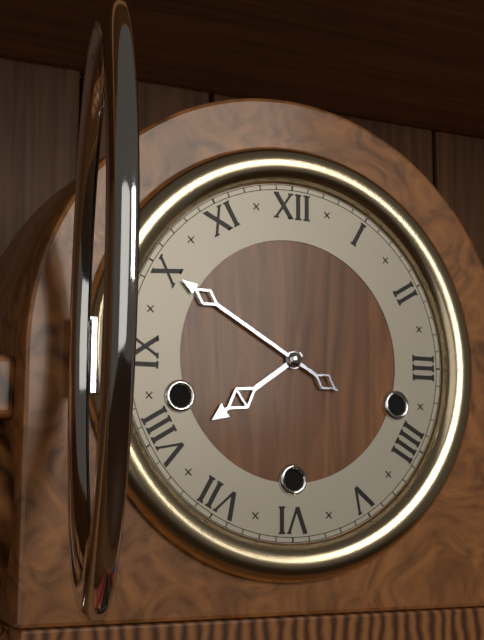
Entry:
h=7 m=50
